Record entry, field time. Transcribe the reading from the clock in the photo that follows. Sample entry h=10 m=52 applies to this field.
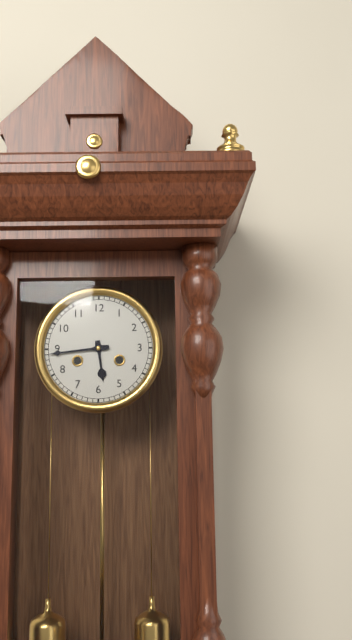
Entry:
h=5 m=44
